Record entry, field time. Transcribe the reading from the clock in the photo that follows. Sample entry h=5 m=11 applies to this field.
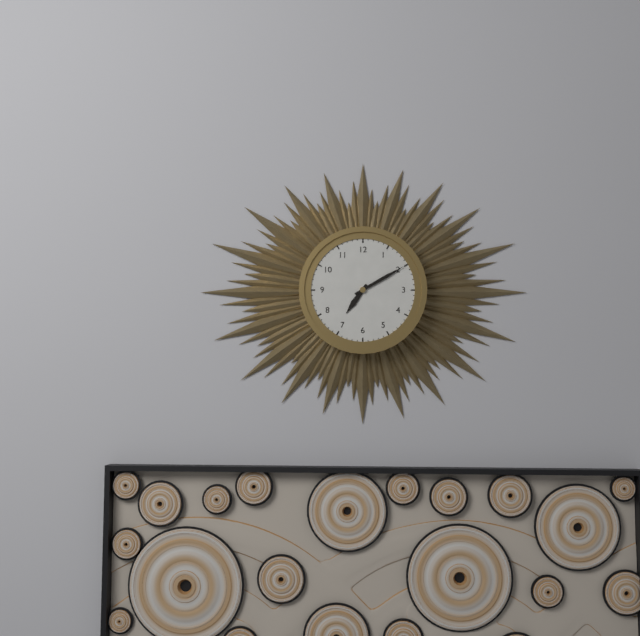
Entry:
h=7 m=10
